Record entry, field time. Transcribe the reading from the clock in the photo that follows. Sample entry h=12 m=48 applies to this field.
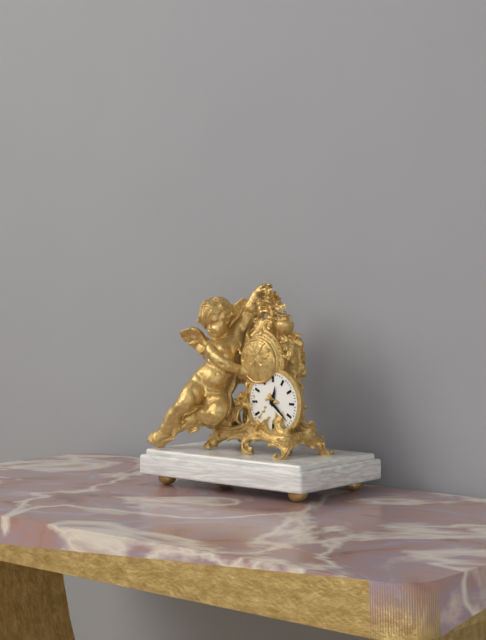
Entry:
h=12 m=22
